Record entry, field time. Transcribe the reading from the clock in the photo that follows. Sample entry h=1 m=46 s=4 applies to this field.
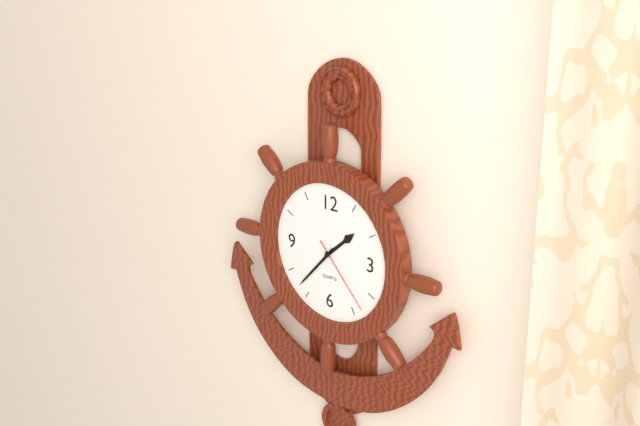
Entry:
h=1 m=37 s=23
